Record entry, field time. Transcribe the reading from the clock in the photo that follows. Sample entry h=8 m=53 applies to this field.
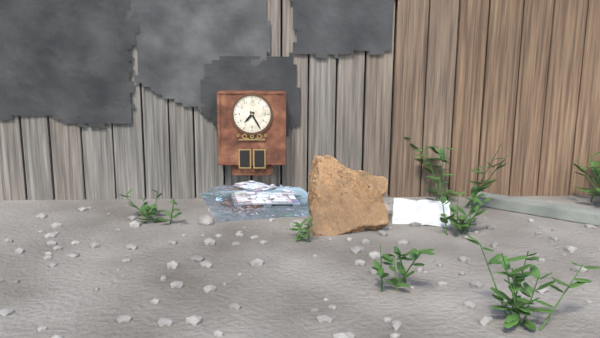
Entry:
h=7 m=25
